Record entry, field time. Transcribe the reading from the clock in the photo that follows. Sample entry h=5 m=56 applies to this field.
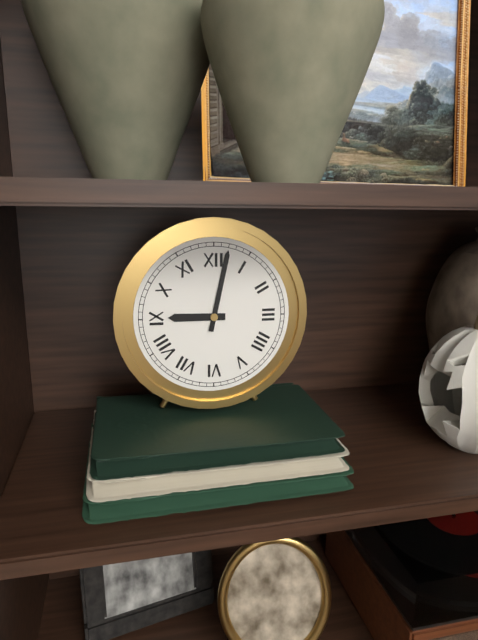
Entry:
h=9 m=2
